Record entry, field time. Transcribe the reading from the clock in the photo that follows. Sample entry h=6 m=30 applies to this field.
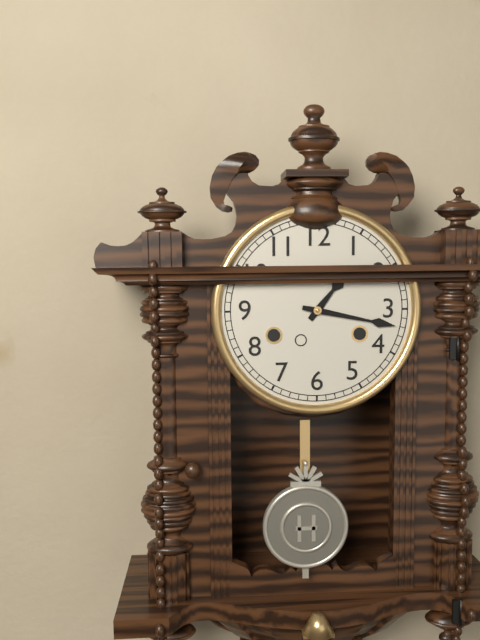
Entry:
h=1 m=17
